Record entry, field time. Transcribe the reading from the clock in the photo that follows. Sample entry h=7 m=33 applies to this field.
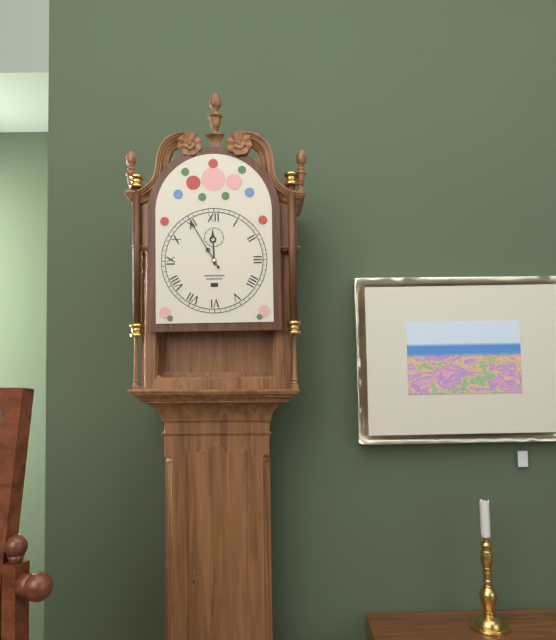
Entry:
h=11 m=55
